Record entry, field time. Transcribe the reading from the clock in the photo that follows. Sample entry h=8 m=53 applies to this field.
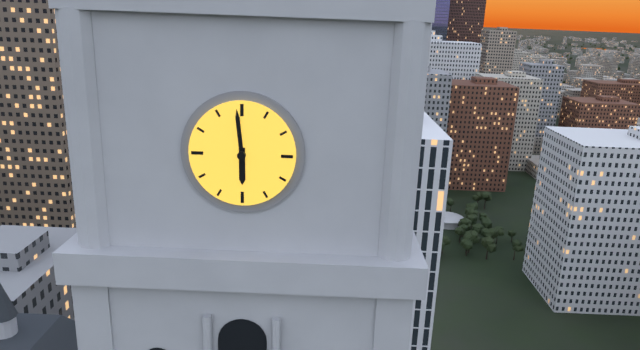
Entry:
h=5 m=59
